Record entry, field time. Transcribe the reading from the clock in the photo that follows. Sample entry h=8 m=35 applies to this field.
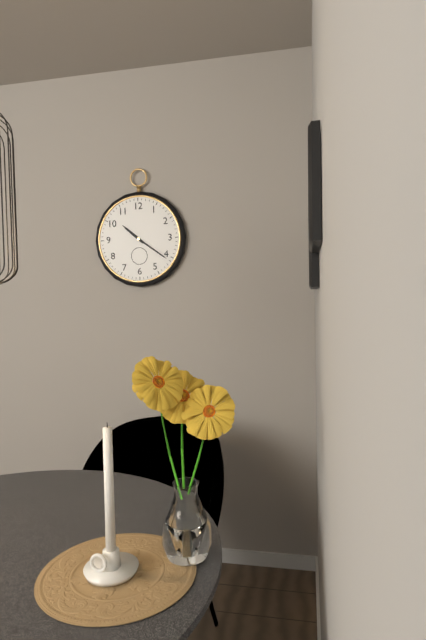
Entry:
h=10 m=21
